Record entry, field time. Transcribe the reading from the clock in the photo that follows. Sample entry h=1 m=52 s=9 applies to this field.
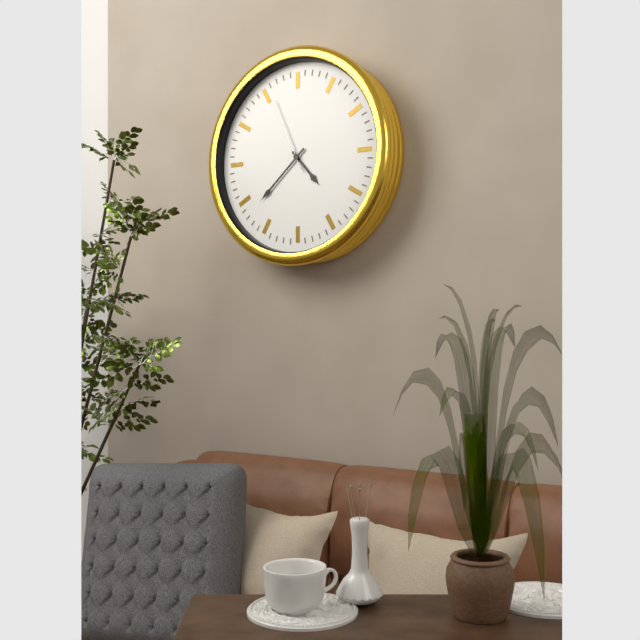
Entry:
h=4 m=38 s=56
